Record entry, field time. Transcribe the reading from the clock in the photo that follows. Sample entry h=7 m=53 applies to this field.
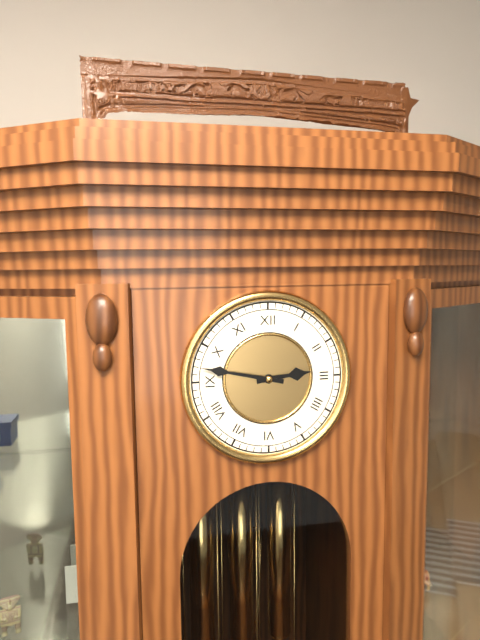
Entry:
h=2 m=47
